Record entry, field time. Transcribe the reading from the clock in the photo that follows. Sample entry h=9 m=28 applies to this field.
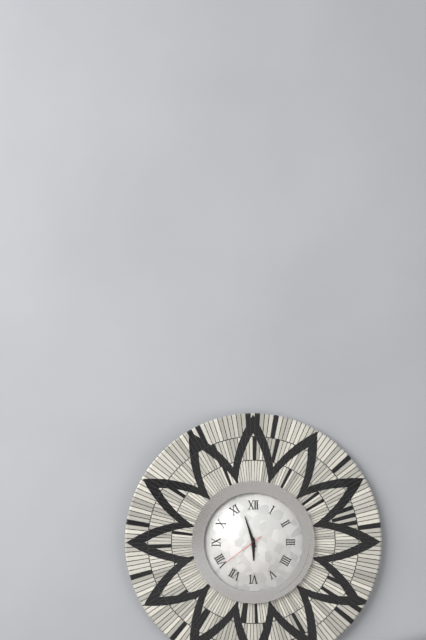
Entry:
h=5 m=57
